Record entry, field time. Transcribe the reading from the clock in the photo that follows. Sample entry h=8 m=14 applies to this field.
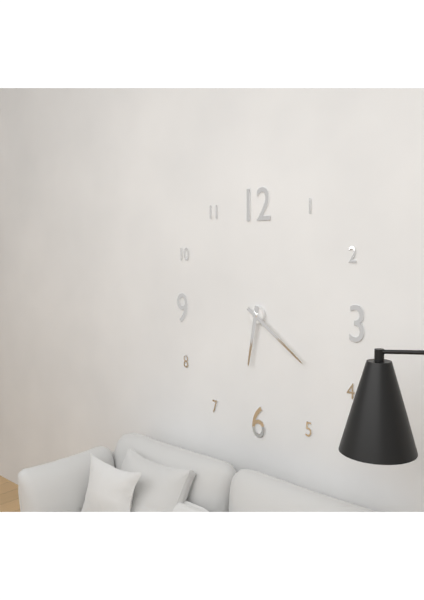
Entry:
h=6 m=21
